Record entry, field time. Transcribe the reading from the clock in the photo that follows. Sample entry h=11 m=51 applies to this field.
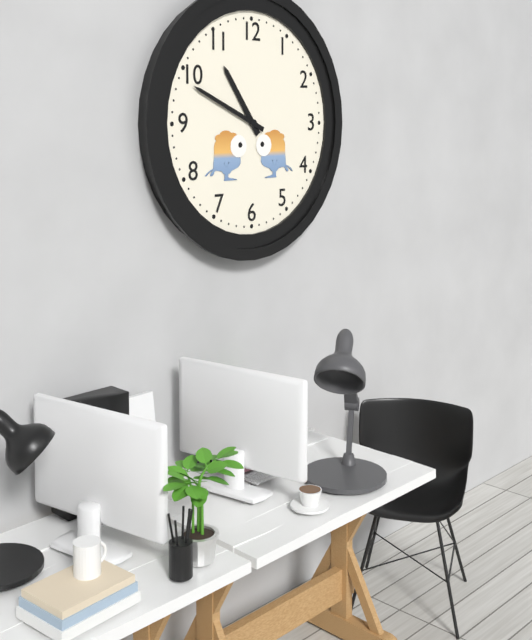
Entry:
h=10 m=49
